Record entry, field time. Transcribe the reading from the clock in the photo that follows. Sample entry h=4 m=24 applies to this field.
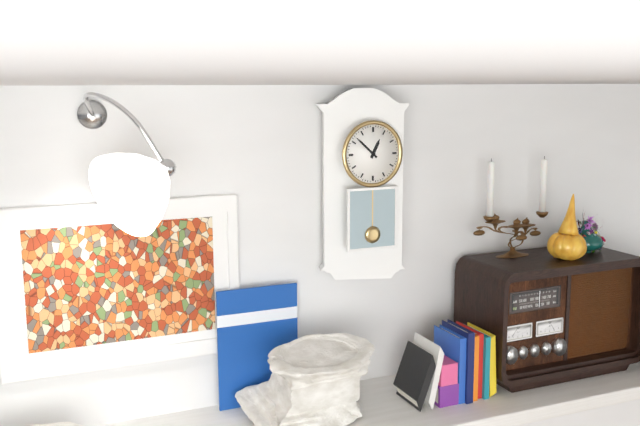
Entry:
h=12 m=52
